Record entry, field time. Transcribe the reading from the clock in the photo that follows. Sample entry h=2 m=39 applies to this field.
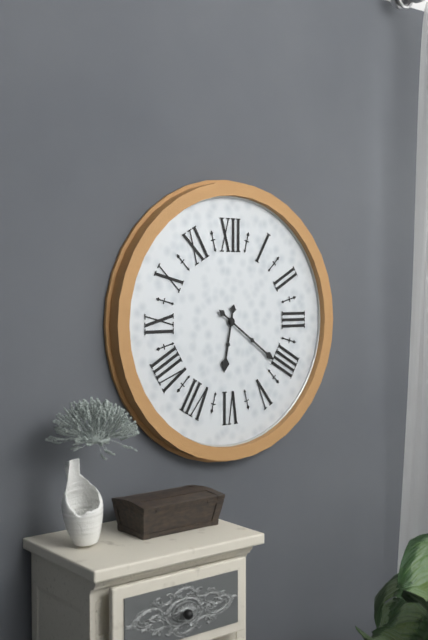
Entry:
h=6 m=21
